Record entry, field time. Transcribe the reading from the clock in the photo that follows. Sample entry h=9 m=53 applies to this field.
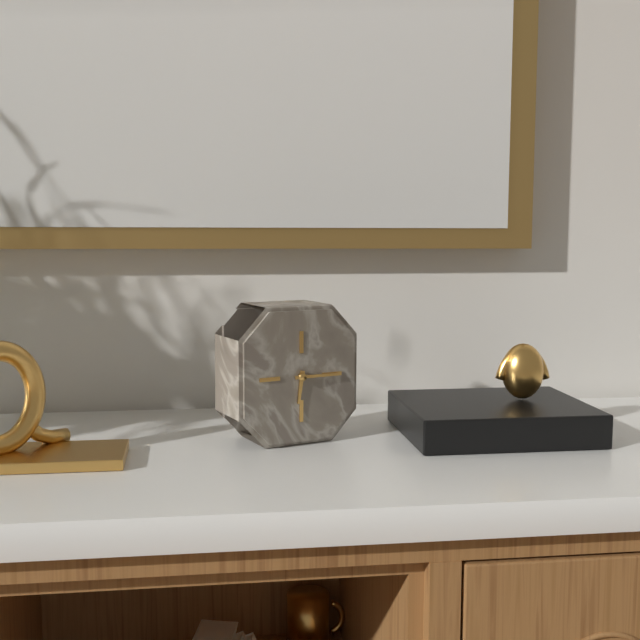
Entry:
h=6 m=15
